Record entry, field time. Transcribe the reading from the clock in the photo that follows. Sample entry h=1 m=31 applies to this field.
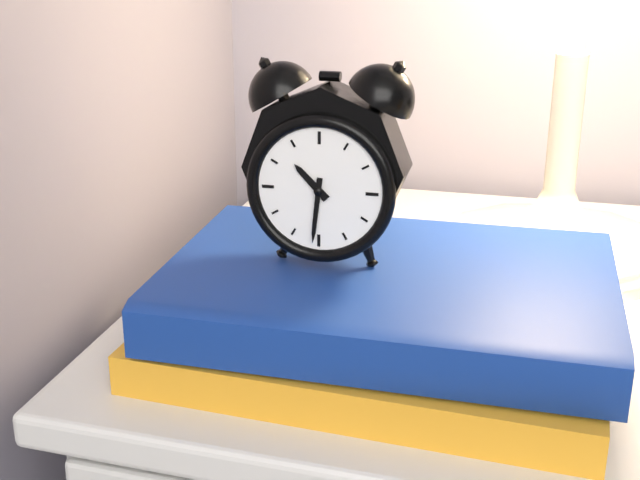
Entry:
h=10 m=31
